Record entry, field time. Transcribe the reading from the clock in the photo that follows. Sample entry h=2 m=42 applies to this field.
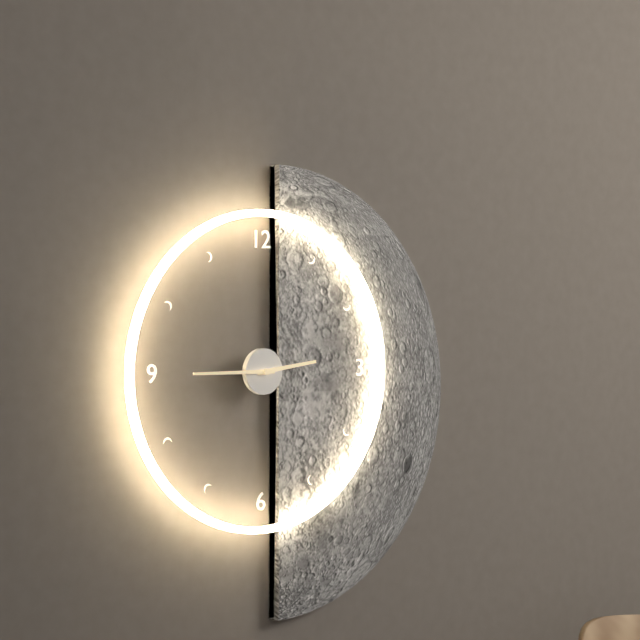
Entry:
h=2 m=45
